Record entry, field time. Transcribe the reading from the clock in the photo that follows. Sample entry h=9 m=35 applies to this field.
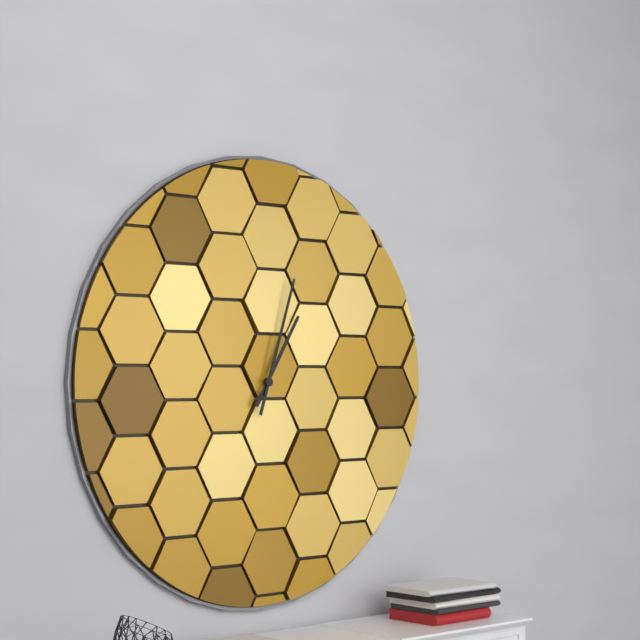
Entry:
h=1 m=3
